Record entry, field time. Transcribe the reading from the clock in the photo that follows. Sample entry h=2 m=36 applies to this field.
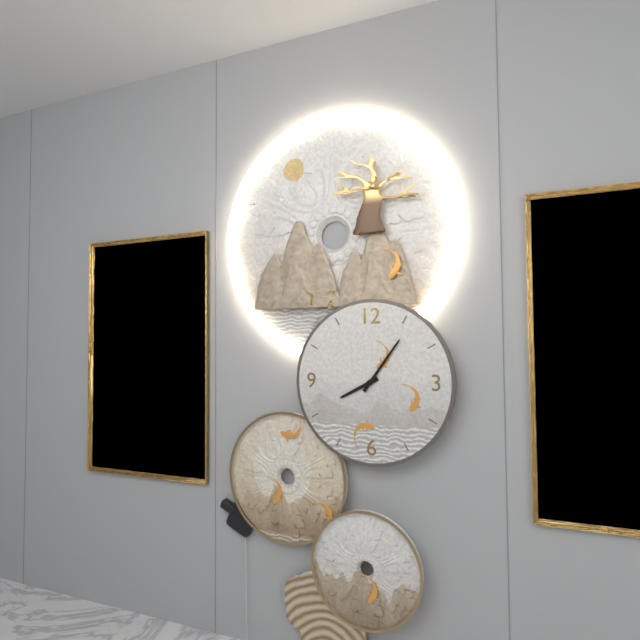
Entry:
h=8 m=6
